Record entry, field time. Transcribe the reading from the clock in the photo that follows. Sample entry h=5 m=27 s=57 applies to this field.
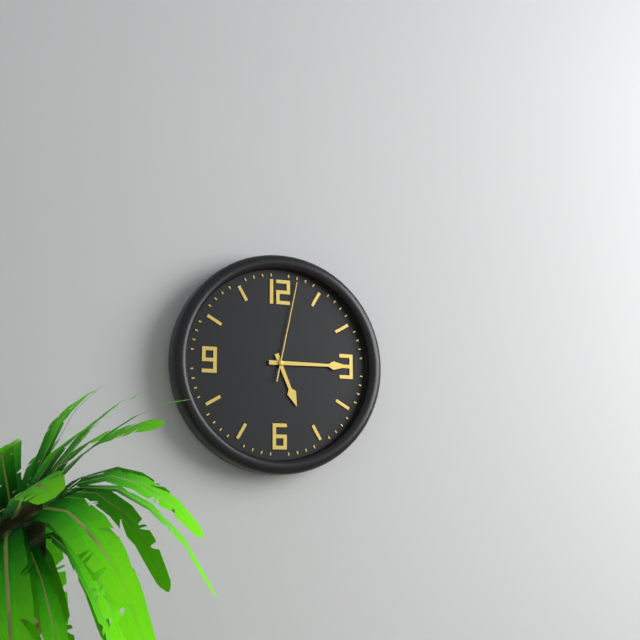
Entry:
h=5 m=15 s=2
